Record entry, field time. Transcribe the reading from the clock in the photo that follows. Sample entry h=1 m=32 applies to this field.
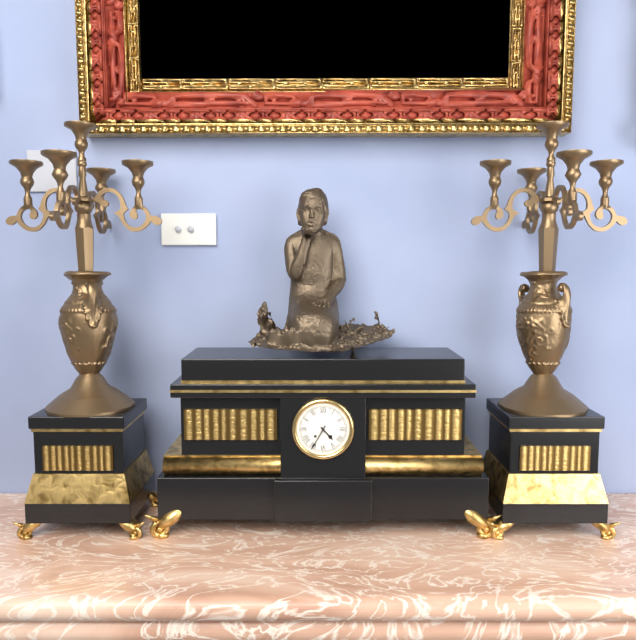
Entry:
h=4 m=35
